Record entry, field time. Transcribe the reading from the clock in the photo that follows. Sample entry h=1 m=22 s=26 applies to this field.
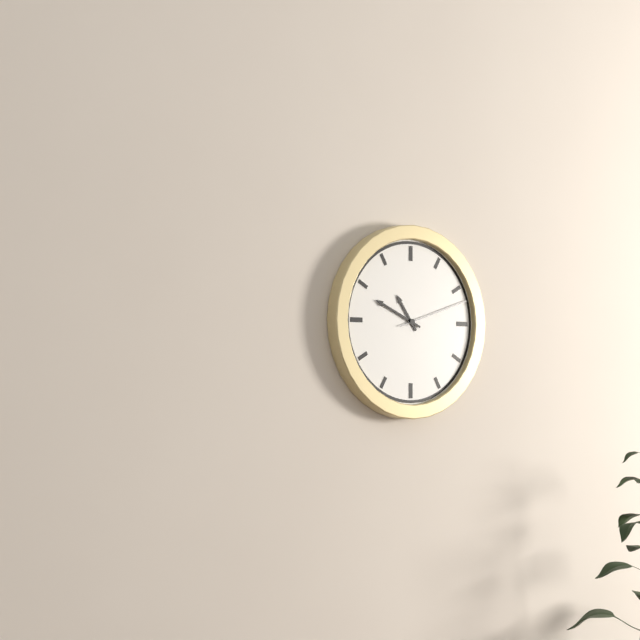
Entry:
h=10 m=49 s=12
